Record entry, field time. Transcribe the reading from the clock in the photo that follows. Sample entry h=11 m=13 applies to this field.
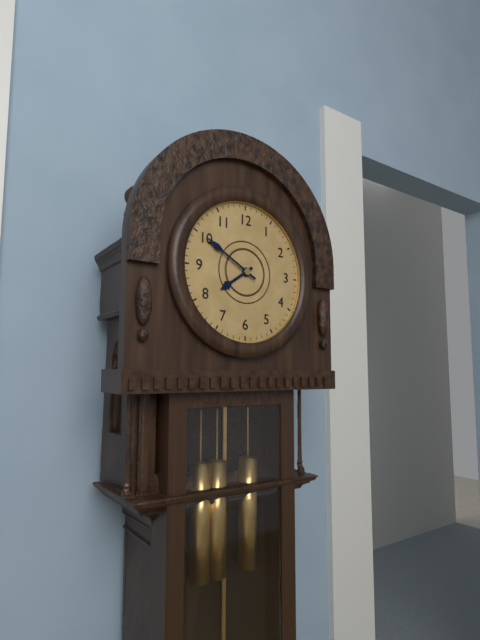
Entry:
h=7 m=50
